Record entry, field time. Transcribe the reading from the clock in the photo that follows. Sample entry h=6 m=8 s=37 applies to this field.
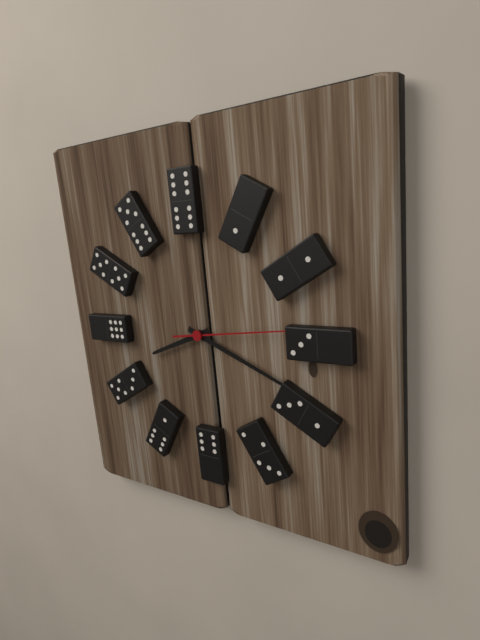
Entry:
h=8 m=19 s=14
